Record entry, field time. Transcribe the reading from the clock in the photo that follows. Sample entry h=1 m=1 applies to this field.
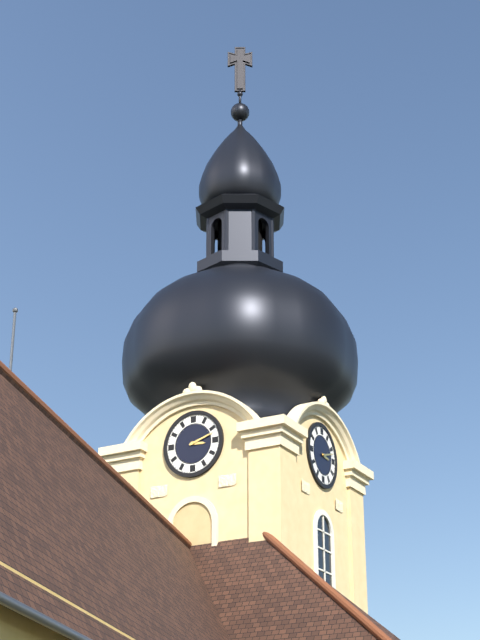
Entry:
h=3 m=12
